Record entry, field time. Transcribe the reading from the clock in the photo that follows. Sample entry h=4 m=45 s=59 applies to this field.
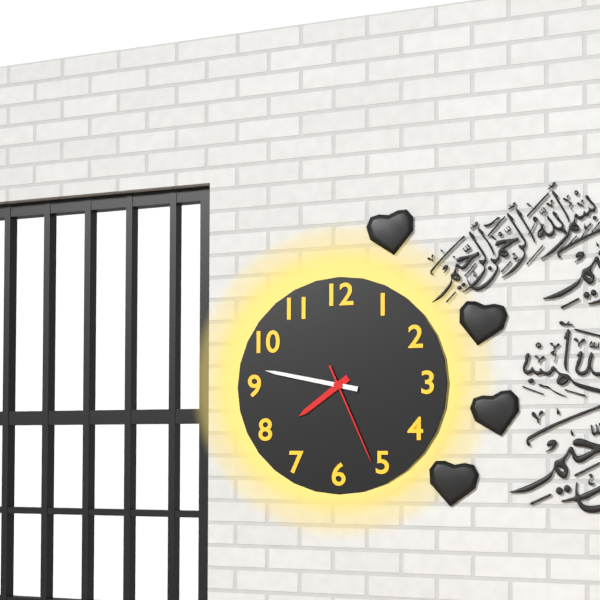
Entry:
h=7 m=47 s=26
